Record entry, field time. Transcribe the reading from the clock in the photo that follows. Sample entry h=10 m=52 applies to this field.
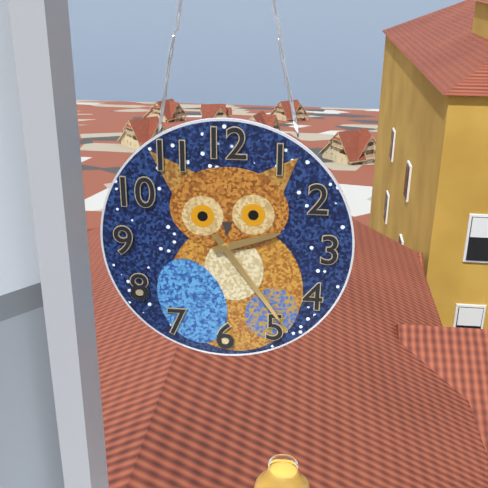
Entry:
h=2 m=24
